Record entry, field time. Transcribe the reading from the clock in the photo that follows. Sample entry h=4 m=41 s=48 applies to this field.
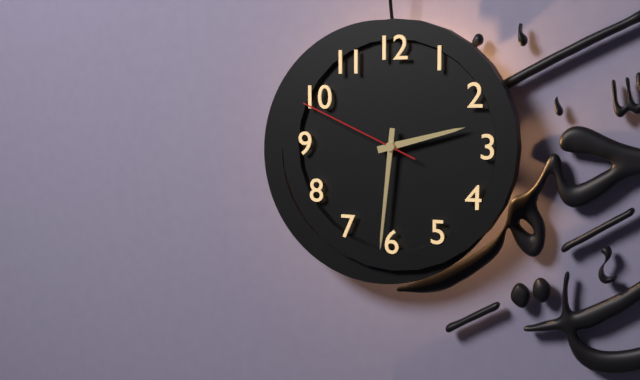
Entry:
h=2 m=31 s=49
